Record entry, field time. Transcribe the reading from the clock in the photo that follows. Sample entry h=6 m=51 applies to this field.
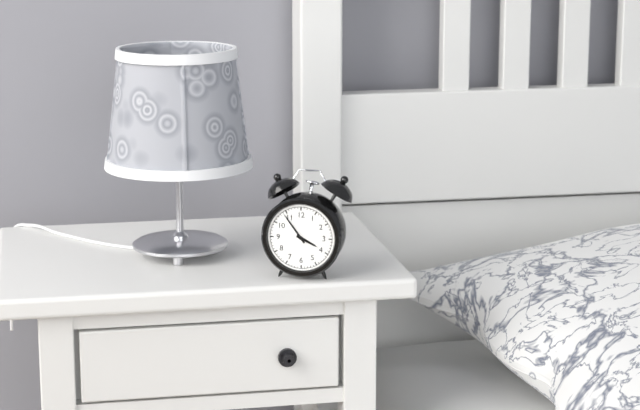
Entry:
h=3 m=54
